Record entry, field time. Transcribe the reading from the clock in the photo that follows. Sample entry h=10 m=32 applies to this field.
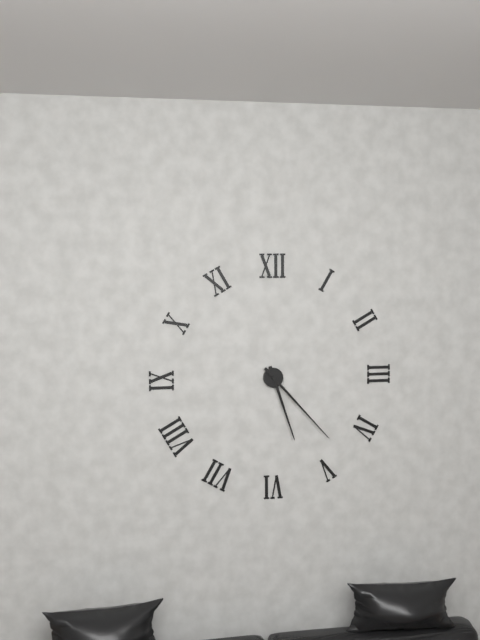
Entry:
h=5 m=23
